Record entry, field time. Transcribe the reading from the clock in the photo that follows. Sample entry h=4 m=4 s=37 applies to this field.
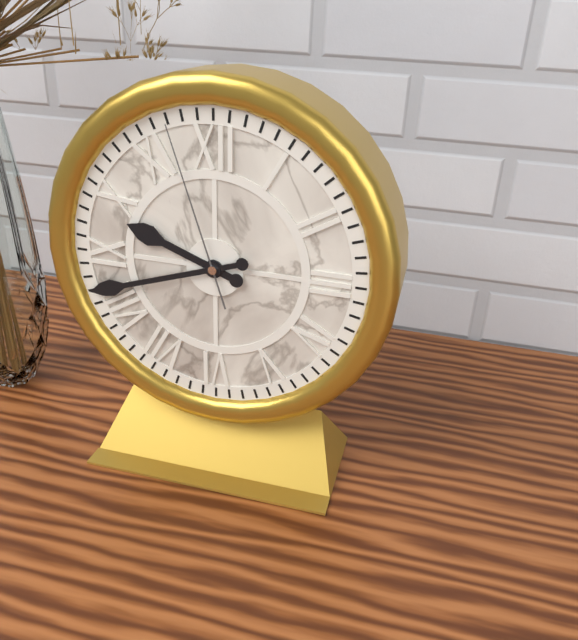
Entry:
h=9 m=42 s=57
